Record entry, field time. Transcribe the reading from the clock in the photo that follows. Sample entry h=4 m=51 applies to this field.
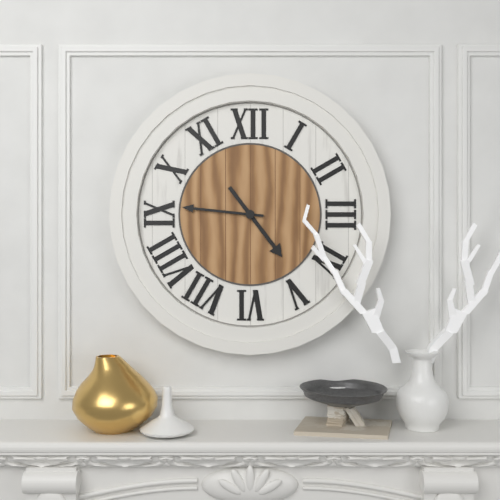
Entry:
h=4 m=46
